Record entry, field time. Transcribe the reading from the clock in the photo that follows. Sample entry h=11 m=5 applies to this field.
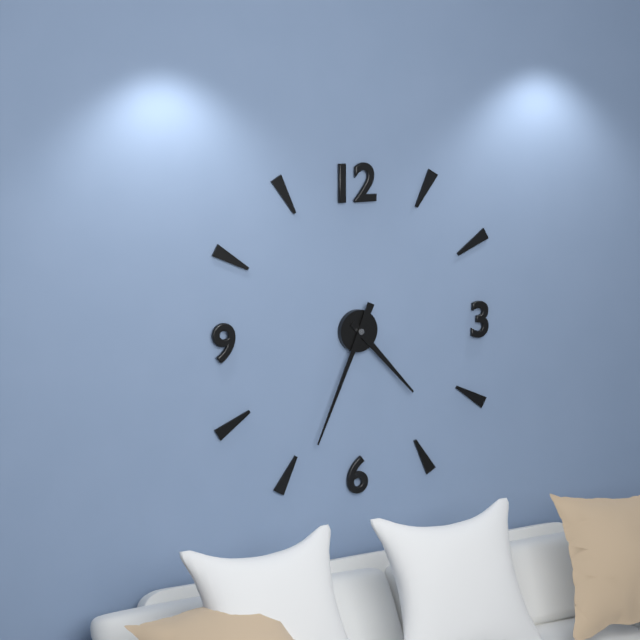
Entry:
h=4 m=34
